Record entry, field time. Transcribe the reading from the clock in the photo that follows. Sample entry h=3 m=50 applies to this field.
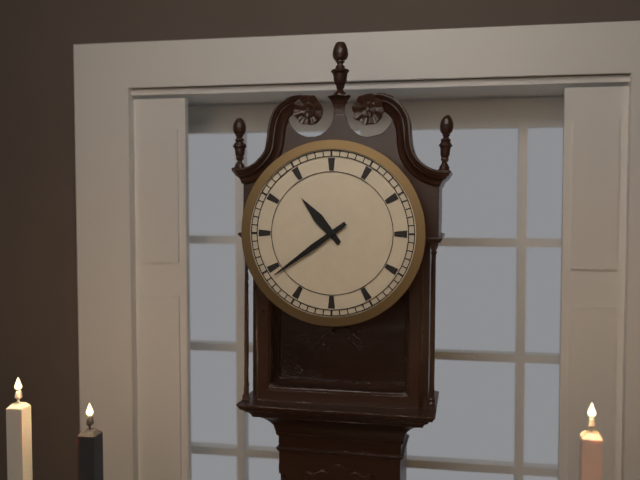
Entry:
h=10 m=39
